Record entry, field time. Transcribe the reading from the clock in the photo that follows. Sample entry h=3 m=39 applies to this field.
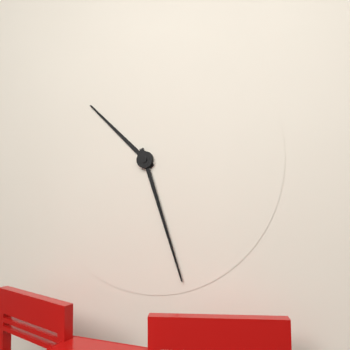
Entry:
h=10 m=27
